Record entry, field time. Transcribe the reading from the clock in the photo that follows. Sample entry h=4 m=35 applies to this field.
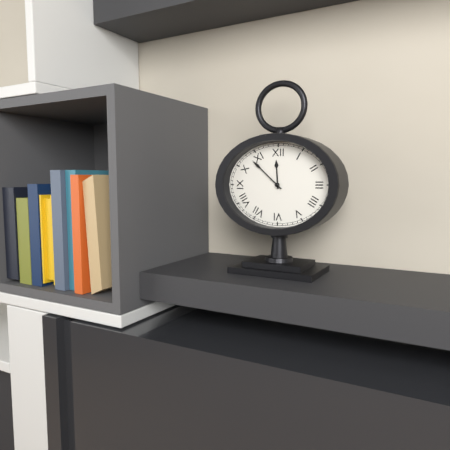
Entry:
h=11 m=52
